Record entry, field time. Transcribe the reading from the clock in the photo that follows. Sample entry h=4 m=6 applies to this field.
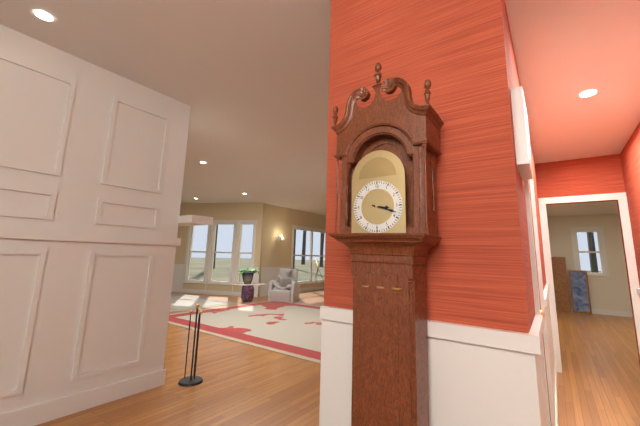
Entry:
h=3 m=18
